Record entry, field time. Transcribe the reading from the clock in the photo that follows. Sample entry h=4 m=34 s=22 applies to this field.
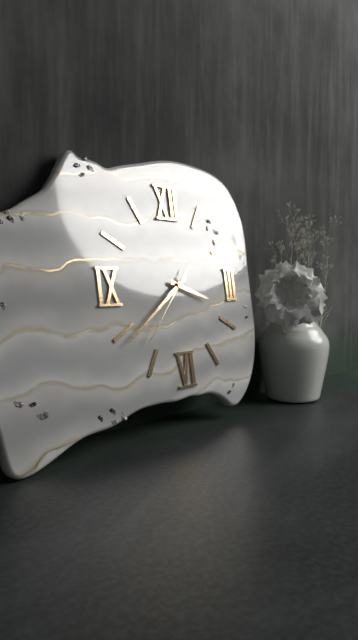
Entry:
h=3 m=39 s=37
